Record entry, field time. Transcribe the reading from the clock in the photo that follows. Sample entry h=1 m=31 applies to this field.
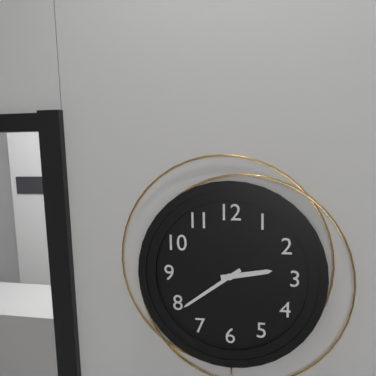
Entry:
h=2 m=39
